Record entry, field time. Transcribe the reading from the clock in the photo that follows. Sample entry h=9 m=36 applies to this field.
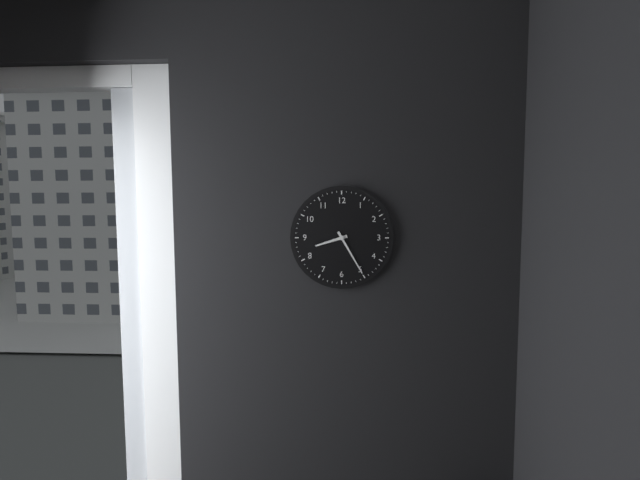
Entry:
h=8 m=25
